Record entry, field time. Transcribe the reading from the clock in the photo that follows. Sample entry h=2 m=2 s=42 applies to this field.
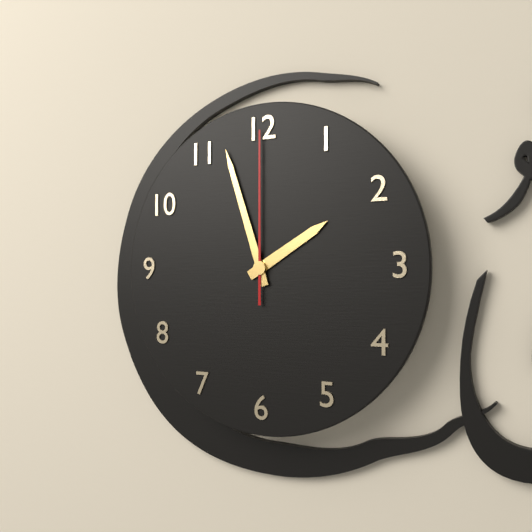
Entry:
h=1 m=57 s=0
